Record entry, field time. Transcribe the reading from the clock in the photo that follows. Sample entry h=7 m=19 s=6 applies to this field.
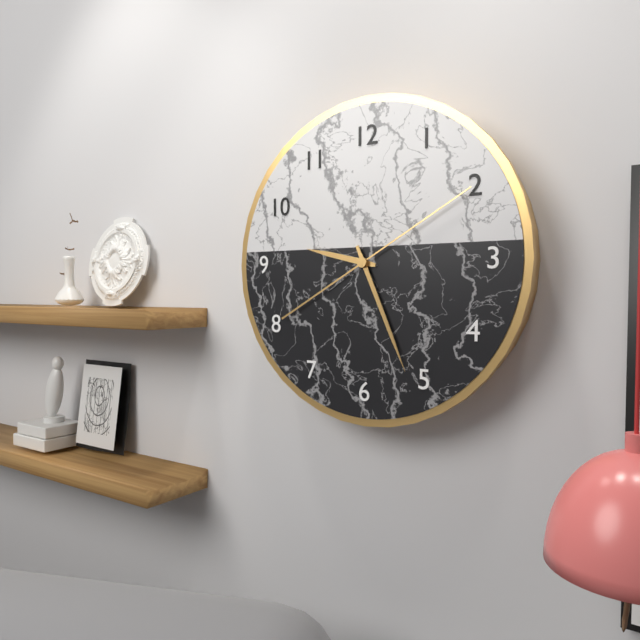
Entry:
h=9 m=26 s=10
